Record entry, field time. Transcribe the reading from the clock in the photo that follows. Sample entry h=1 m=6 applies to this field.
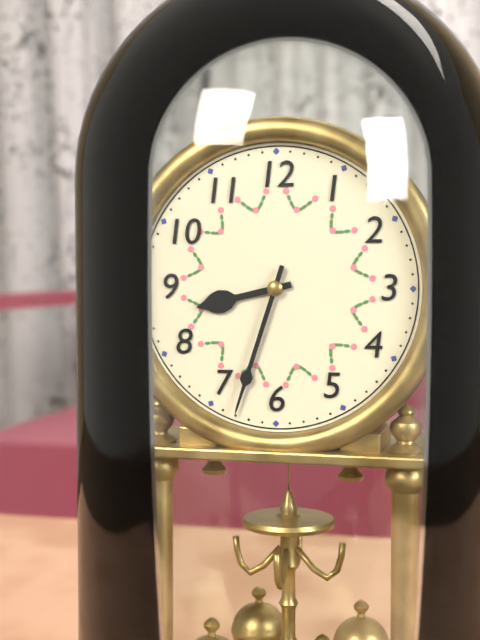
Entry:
h=8 m=33
